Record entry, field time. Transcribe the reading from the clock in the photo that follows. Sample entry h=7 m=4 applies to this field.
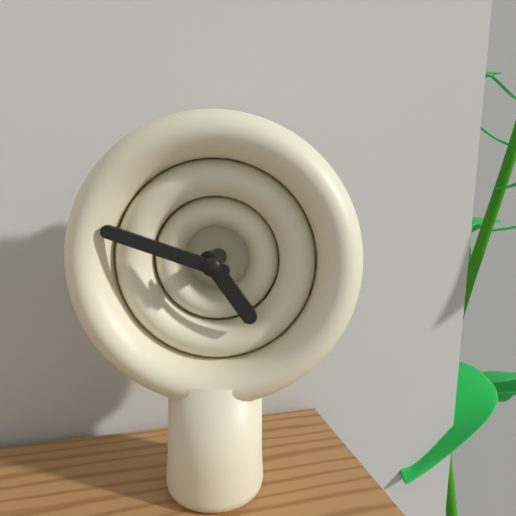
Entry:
h=4 m=48
